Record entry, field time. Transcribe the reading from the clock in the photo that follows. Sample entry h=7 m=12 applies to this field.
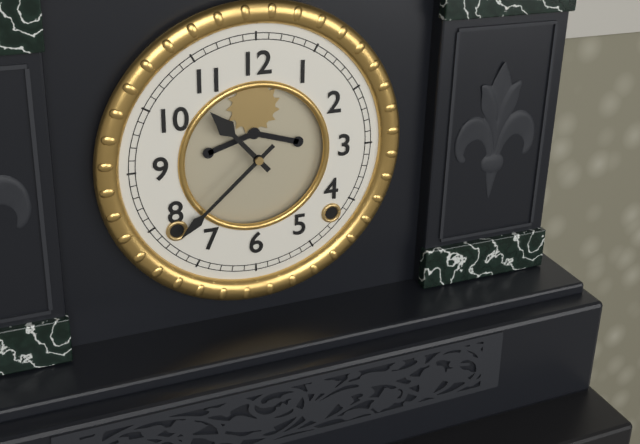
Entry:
h=10 m=38
